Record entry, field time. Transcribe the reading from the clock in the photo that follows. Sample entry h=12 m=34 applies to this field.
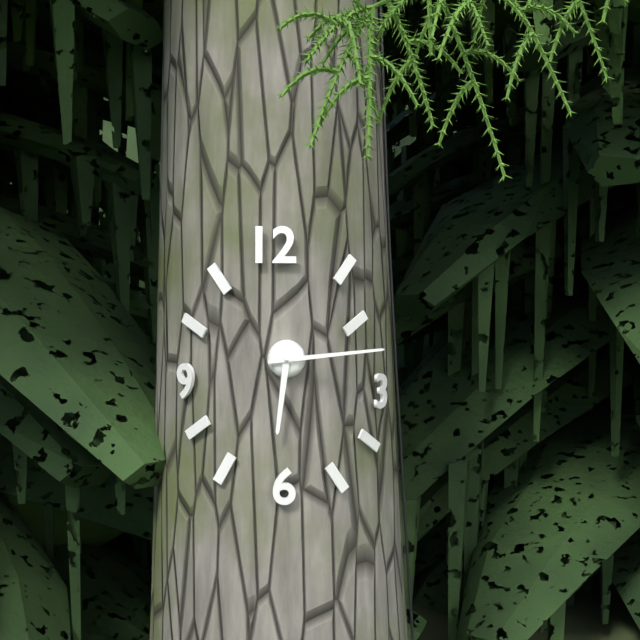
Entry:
h=6 m=14
